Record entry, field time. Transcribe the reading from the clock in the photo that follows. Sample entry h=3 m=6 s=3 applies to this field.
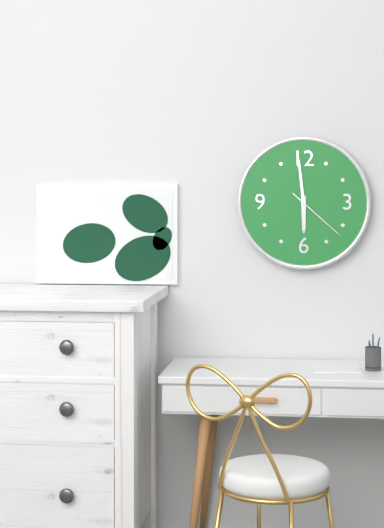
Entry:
h=5 m=59 s=22
